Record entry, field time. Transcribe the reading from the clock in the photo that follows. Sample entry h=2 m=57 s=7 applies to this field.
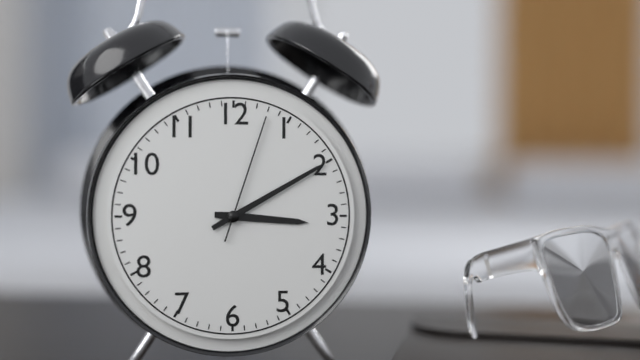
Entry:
h=3 m=10 s=3
